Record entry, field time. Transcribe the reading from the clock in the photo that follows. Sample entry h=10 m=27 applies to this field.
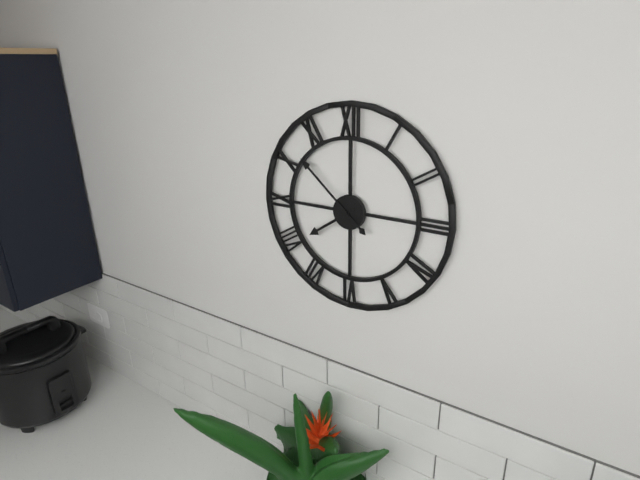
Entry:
h=7 m=52
